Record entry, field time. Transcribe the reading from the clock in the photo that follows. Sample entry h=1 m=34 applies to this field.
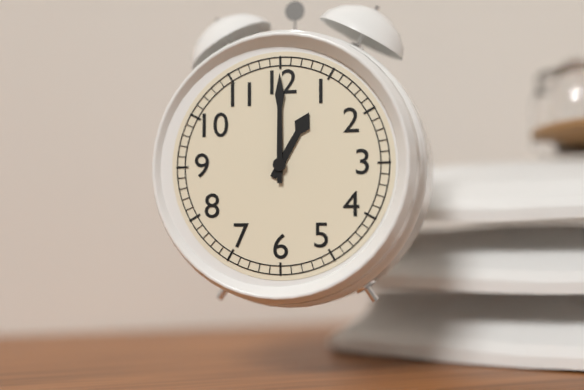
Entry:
h=1 m=0
